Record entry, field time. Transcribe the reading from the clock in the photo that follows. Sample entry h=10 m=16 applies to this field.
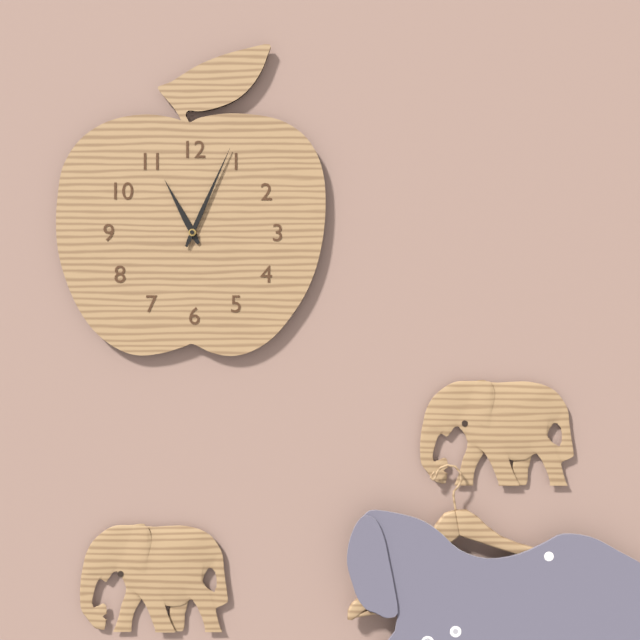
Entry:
h=11 m=4
